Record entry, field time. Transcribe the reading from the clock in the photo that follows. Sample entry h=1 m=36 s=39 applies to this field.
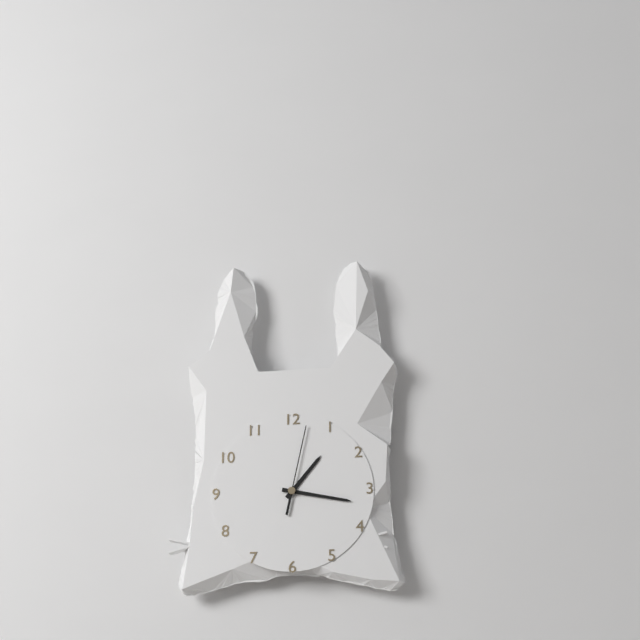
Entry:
h=1 m=17 s=2
